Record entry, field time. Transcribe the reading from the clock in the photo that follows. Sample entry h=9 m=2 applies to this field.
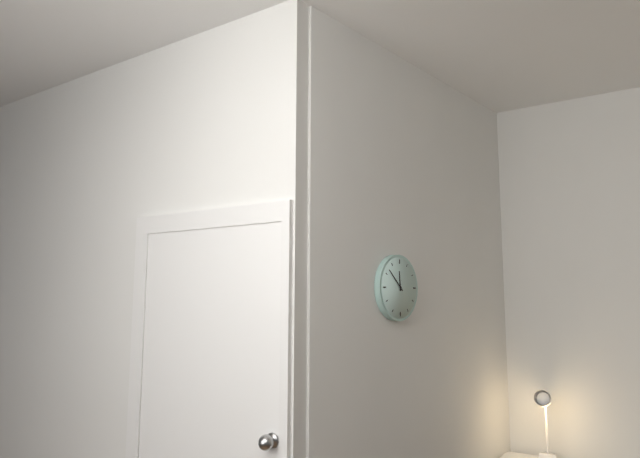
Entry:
h=11 m=52
